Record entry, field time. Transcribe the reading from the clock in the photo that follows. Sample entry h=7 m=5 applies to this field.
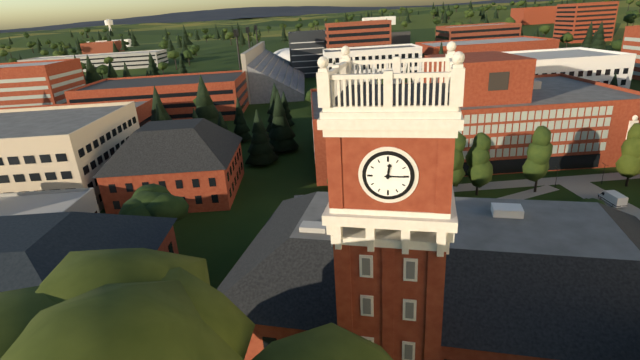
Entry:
h=12 m=15
